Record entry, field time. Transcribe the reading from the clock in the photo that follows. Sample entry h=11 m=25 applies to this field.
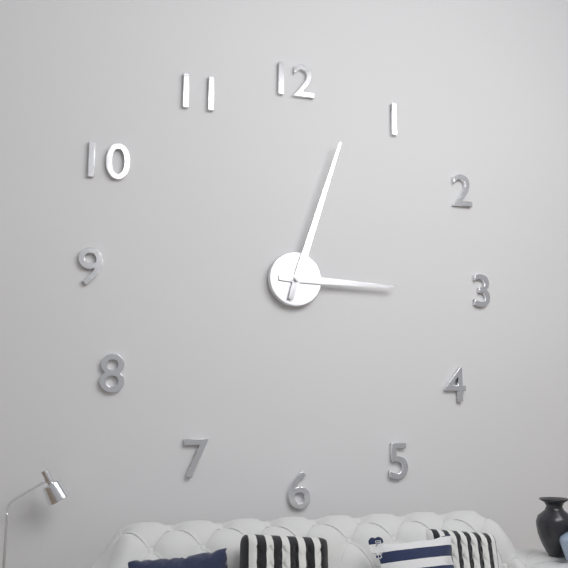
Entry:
h=3 m=3
